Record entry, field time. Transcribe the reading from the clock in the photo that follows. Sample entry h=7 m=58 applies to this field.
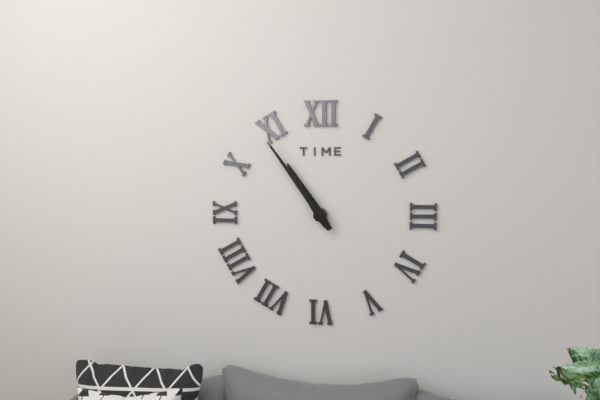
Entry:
h=10 m=54
